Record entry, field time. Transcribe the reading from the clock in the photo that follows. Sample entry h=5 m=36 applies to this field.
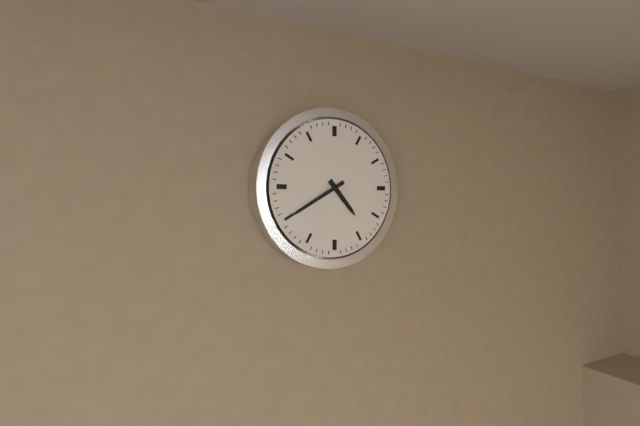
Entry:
h=4 m=40
